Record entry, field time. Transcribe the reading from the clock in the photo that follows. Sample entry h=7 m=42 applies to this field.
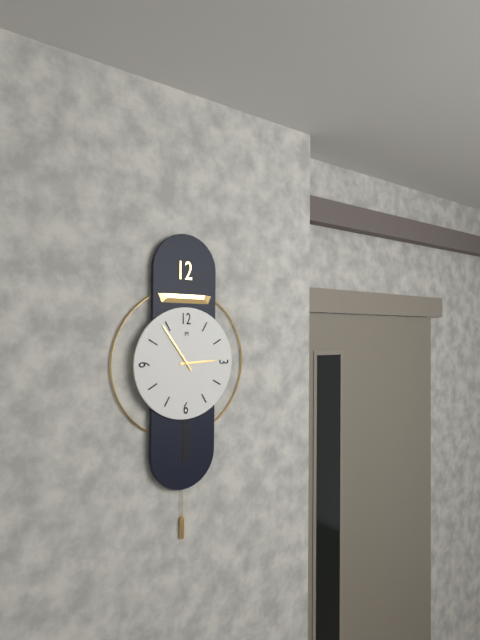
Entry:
h=2 m=54
